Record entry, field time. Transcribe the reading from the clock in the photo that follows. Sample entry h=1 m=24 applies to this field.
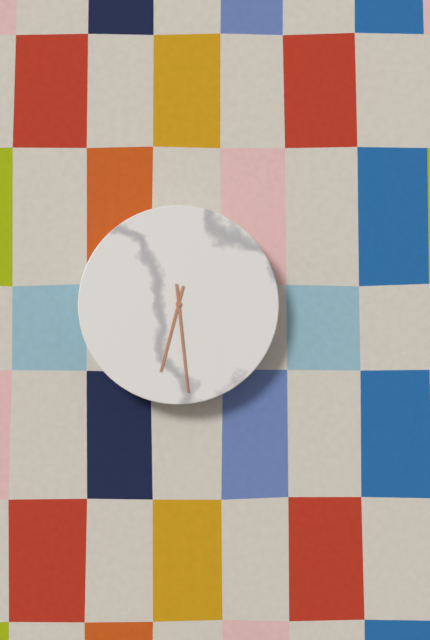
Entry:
h=6 m=29
